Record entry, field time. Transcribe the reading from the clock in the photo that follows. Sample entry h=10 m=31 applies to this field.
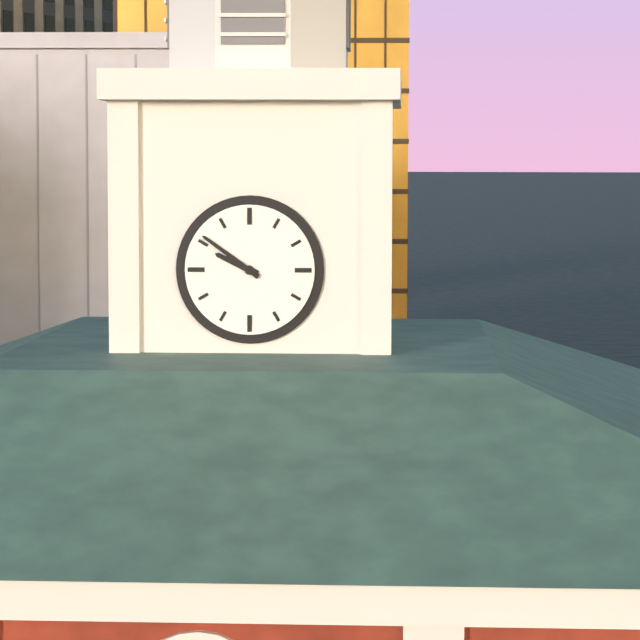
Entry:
h=9 m=51
